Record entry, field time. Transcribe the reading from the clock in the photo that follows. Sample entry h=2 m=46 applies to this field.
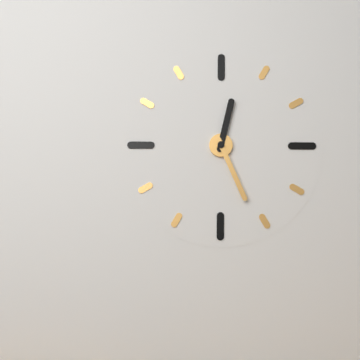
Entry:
h=12 m=26
